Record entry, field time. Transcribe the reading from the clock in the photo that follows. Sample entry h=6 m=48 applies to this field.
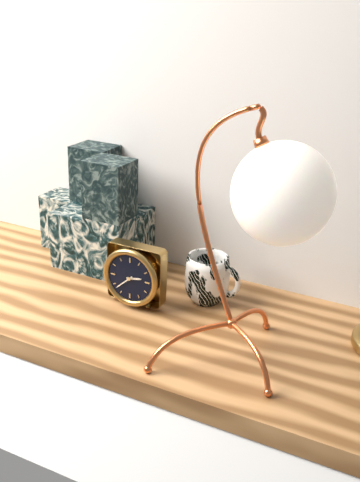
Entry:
h=2 m=38
